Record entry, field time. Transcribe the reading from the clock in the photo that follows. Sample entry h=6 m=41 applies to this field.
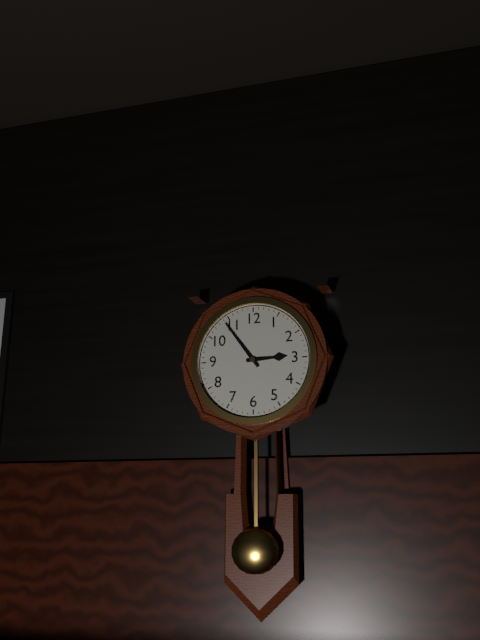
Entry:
h=2 m=54
